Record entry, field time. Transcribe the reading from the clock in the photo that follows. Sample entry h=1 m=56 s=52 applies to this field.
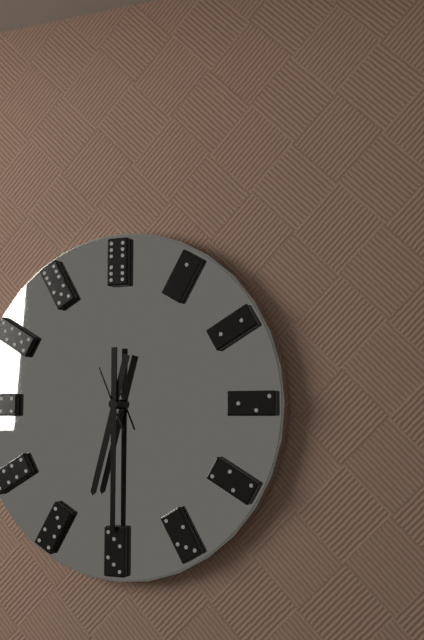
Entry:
h=6 m=30 s=56
